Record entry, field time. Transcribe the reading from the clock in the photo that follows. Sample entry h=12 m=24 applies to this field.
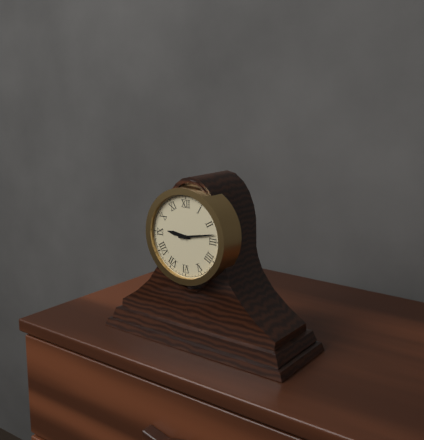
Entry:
h=9 m=13
